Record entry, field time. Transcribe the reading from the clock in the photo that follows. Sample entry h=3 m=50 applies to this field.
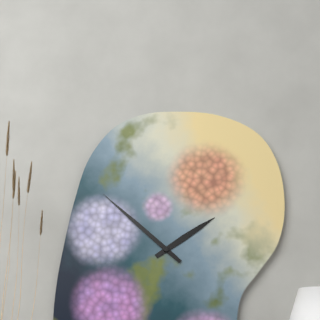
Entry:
h=1 m=52
